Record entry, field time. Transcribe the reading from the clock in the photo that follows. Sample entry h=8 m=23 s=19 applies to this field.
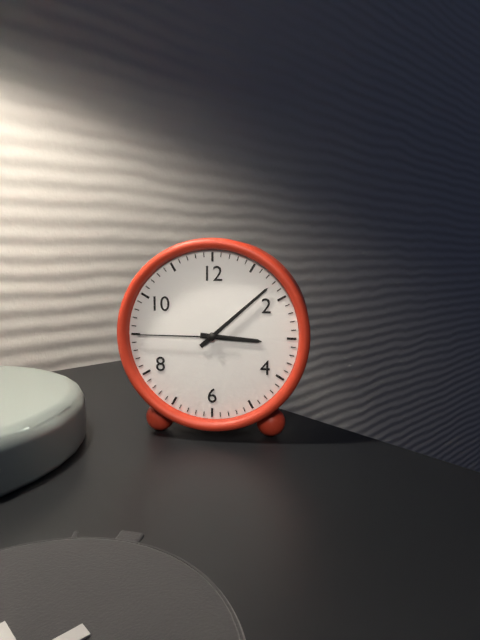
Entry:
h=3 m=8 s=45
